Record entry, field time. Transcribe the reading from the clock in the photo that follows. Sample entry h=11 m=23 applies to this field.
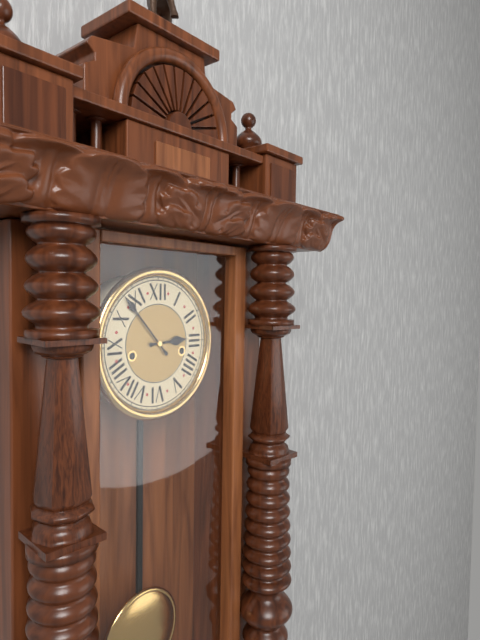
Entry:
h=2 m=53
